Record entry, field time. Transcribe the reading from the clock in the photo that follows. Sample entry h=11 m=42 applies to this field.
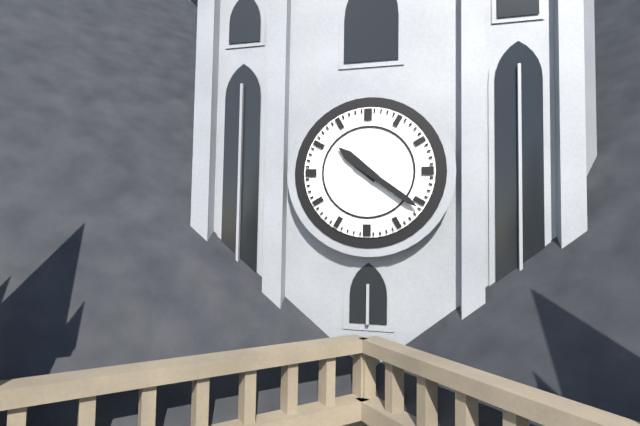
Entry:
h=10 m=21
